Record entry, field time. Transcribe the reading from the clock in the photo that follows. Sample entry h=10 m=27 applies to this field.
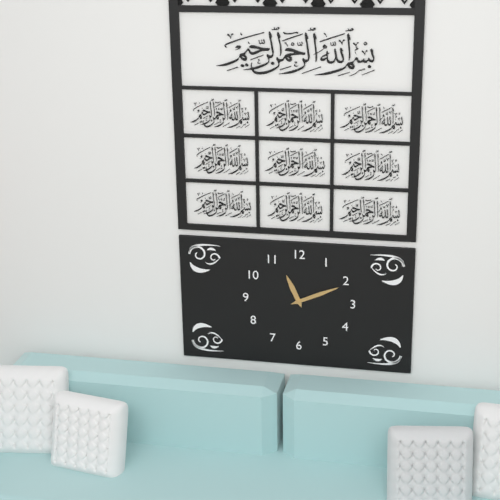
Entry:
h=11 m=11
